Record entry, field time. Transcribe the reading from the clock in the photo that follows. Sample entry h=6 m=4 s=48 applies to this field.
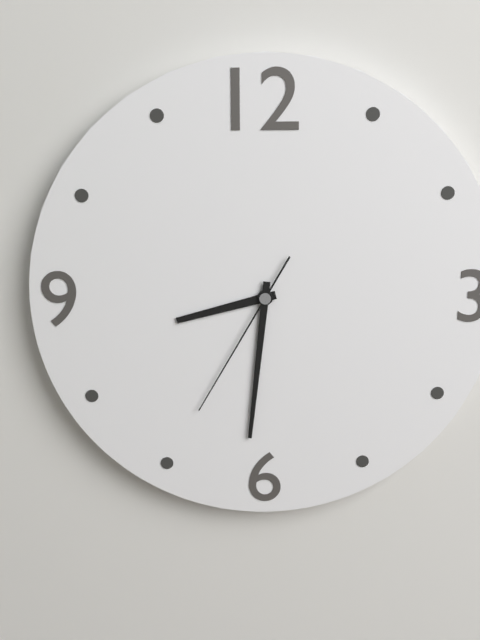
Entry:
h=8 m=31 s=35
